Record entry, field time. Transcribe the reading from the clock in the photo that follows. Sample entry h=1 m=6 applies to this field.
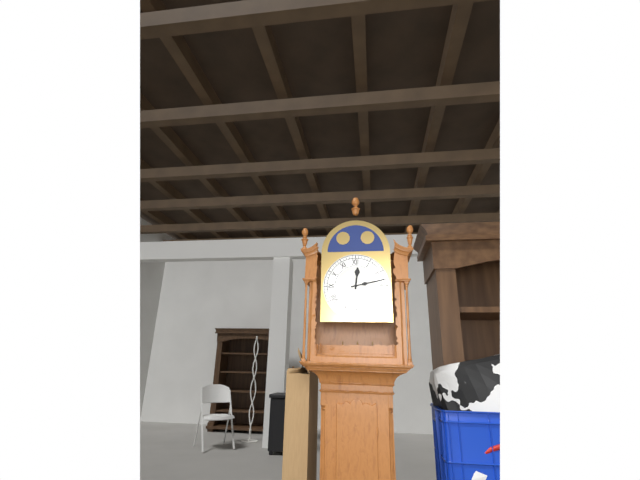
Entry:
h=12 m=13
